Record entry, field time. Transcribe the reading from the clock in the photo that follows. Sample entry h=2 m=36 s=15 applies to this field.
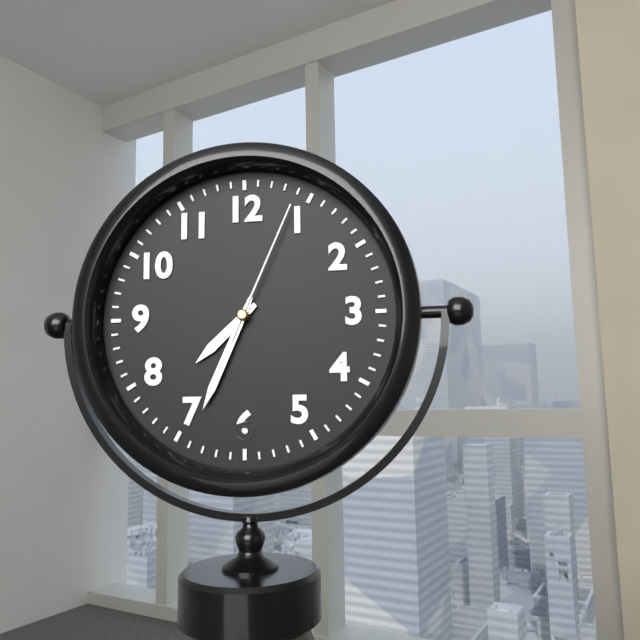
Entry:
h=7 m=34 s=4
